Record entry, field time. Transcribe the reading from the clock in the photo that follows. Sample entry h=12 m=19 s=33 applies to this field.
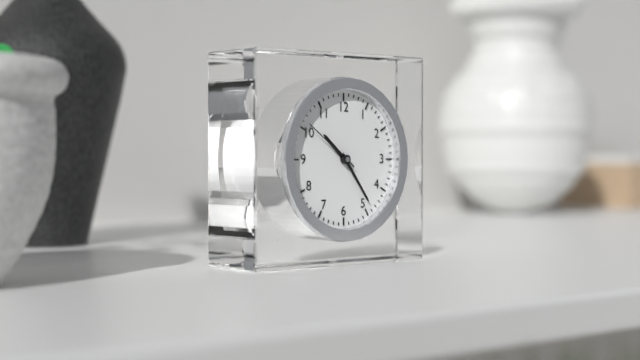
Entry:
h=10 m=24 s=51
